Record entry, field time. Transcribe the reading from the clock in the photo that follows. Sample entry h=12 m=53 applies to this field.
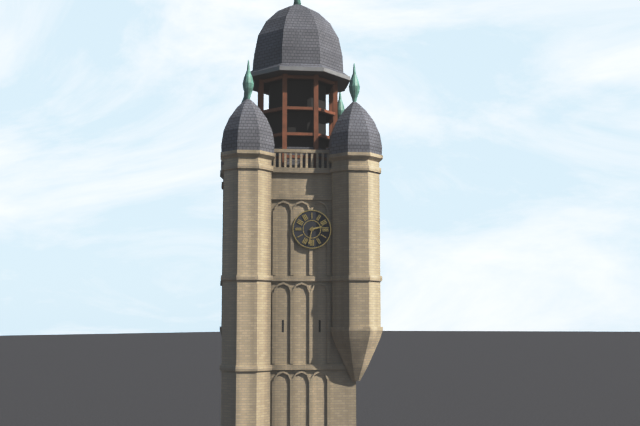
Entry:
h=2 m=32
